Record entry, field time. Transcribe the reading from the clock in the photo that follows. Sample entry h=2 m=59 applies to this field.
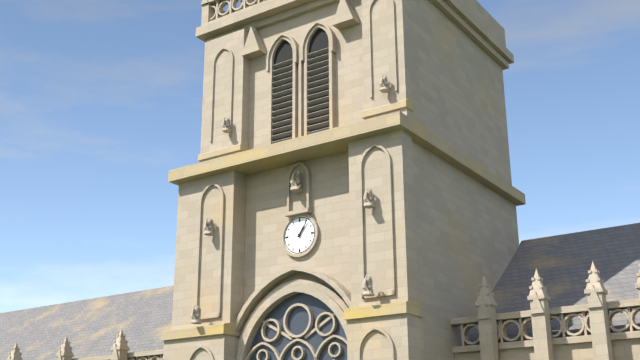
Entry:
h=1 m=6
